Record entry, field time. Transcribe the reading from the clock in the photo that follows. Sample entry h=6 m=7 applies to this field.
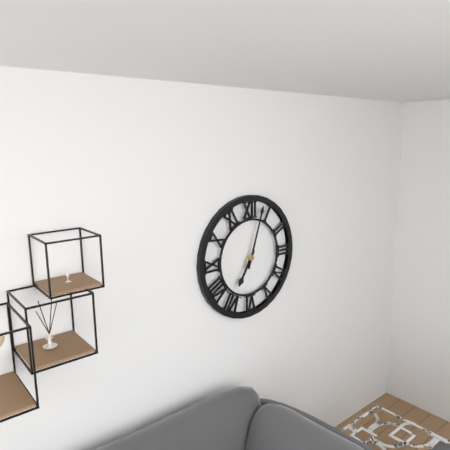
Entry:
h=7 m=3
